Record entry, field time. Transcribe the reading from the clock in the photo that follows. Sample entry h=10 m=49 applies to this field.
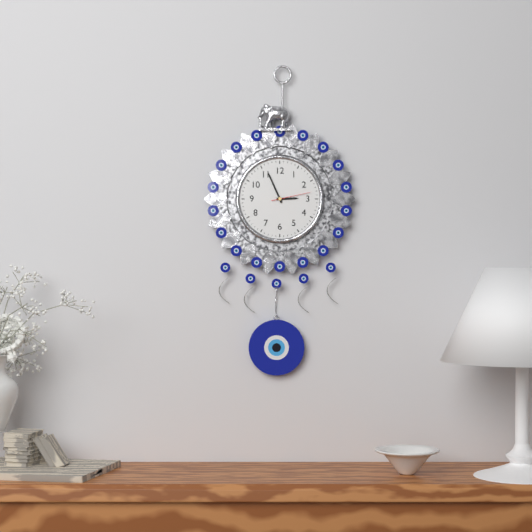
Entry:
h=2 m=56
